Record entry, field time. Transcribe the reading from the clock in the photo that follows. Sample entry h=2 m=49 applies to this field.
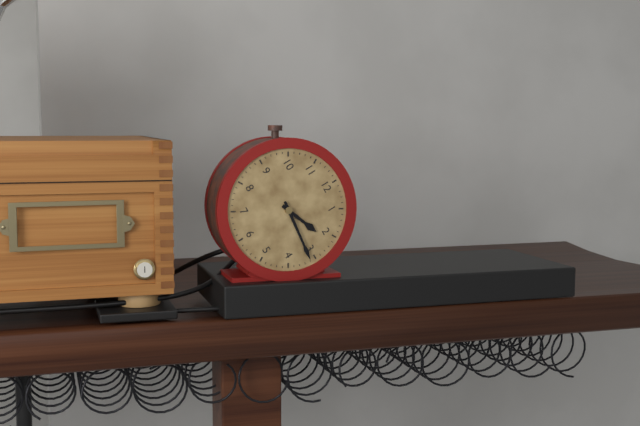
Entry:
h=2 m=16
